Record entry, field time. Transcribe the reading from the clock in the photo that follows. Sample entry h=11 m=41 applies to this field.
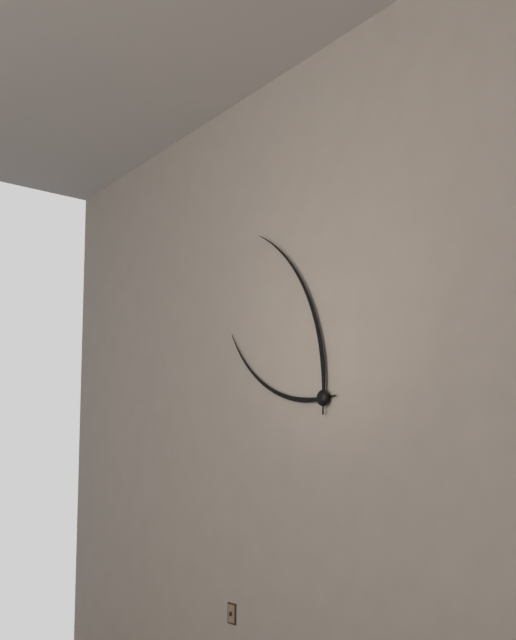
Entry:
h=9 m=55
